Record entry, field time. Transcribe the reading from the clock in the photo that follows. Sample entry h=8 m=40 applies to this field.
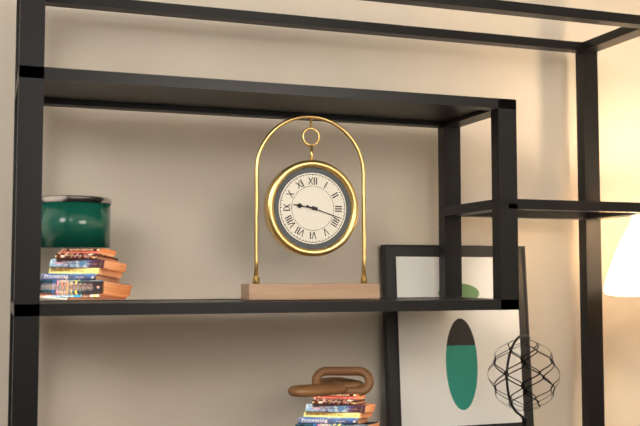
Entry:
h=9 m=18
